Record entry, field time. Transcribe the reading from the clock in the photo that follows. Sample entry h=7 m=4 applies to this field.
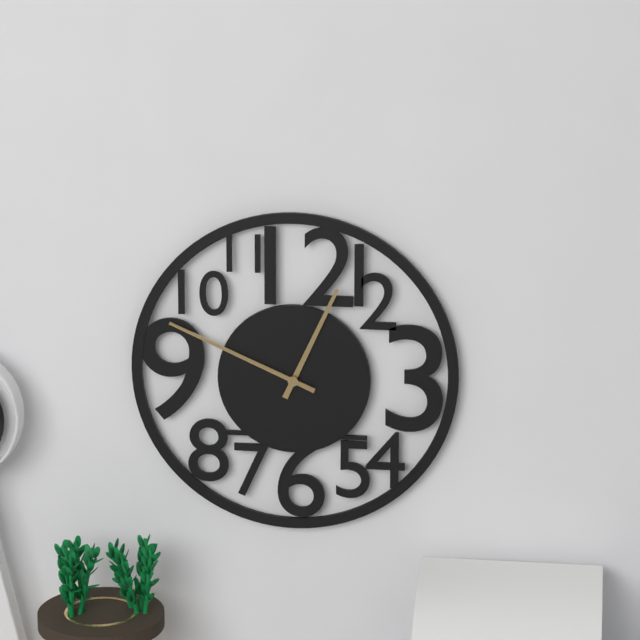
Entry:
h=12 m=49
